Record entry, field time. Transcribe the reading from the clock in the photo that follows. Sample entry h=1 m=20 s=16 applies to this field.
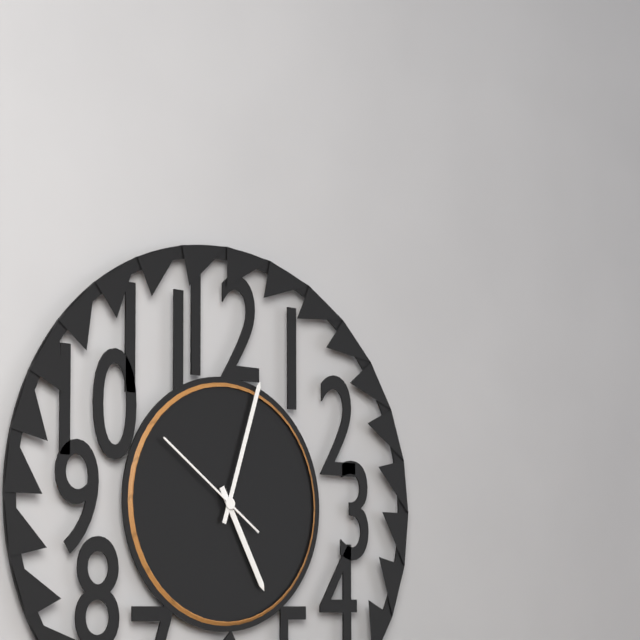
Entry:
h=5 m=3 s=51
